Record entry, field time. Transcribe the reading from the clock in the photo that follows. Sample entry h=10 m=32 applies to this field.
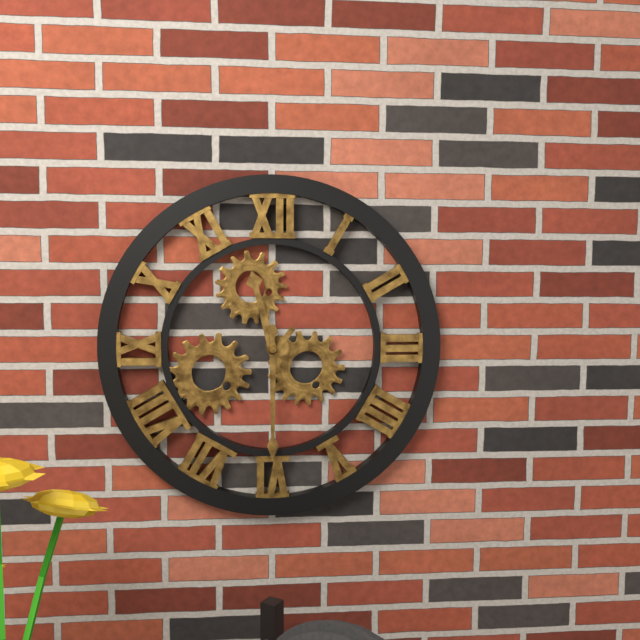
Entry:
h=11 m=30
